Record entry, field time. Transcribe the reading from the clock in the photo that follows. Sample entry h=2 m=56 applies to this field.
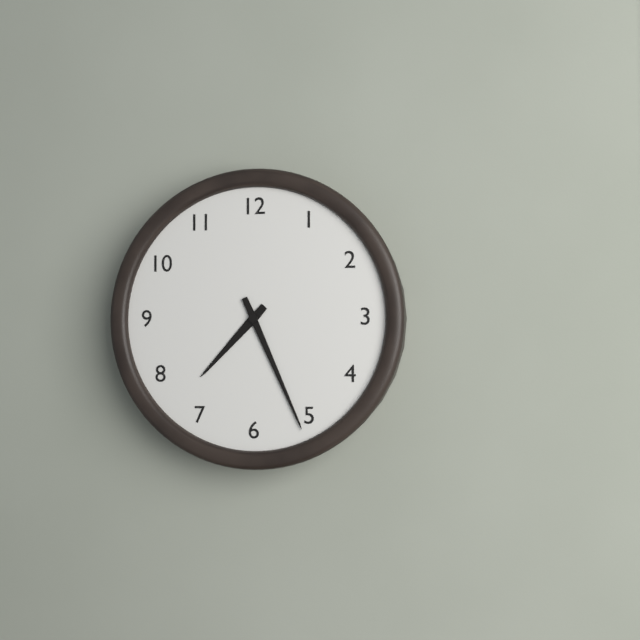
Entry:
h=7 m=26
